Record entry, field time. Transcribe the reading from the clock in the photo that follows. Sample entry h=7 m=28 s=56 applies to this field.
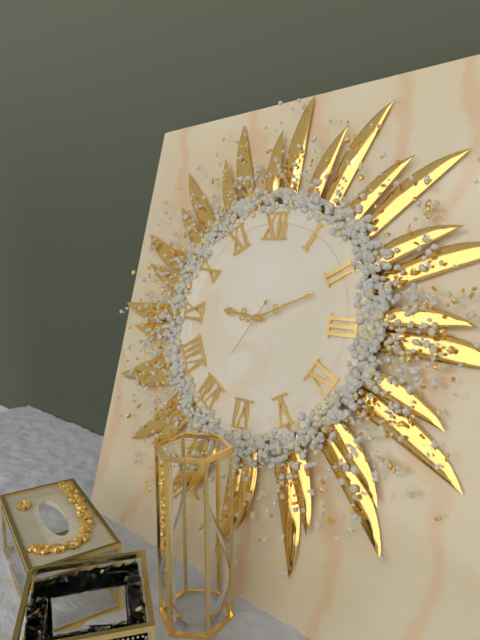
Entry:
h=9 m=11 s=35
